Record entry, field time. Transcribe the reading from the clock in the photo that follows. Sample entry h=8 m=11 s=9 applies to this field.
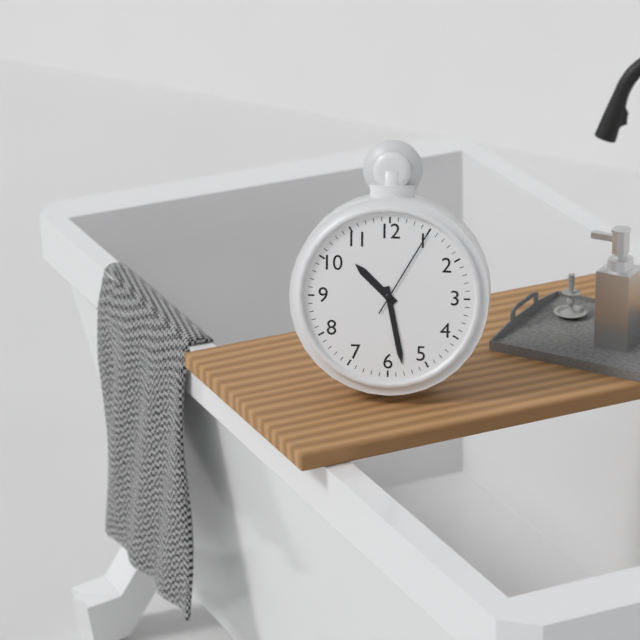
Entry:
h=10 m=28 s=5
